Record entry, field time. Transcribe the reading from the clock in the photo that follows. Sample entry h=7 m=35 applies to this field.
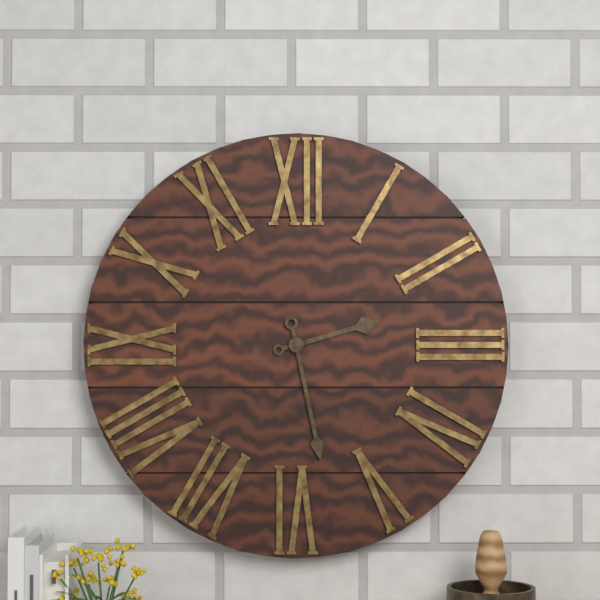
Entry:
h=2 m=28
